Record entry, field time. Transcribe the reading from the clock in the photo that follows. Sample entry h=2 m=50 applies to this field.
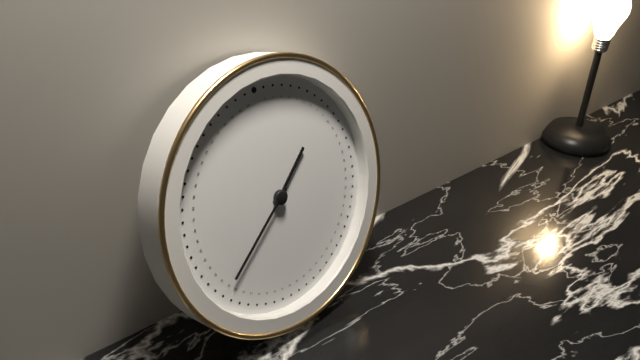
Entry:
h=1 m=39
